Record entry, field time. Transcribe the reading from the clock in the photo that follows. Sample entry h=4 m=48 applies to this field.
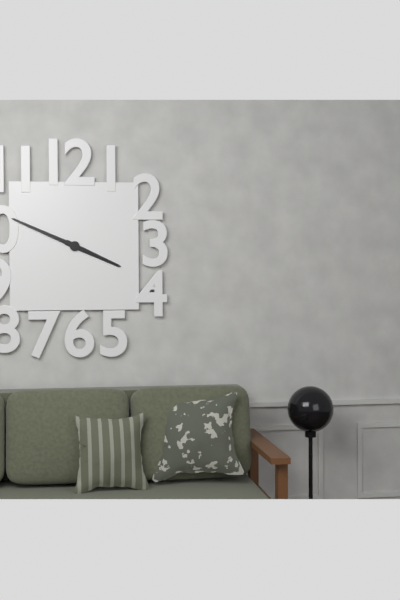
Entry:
h=3 m=49
